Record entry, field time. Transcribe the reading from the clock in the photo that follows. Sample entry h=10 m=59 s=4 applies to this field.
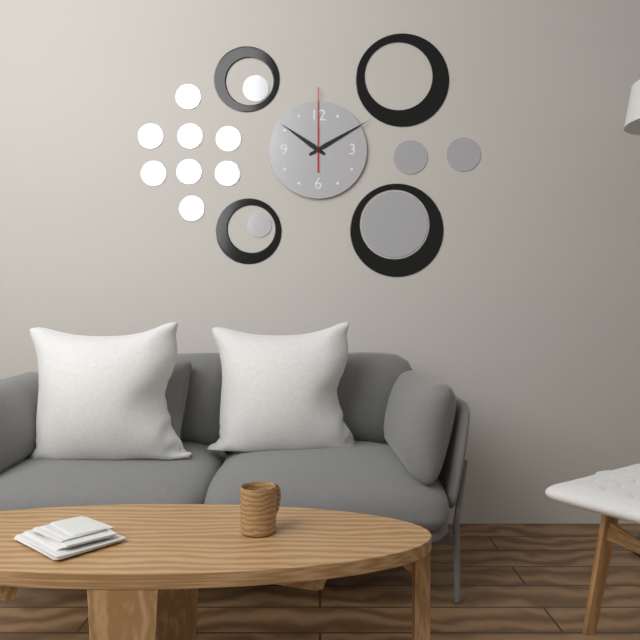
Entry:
h=10 m=10 s=0
